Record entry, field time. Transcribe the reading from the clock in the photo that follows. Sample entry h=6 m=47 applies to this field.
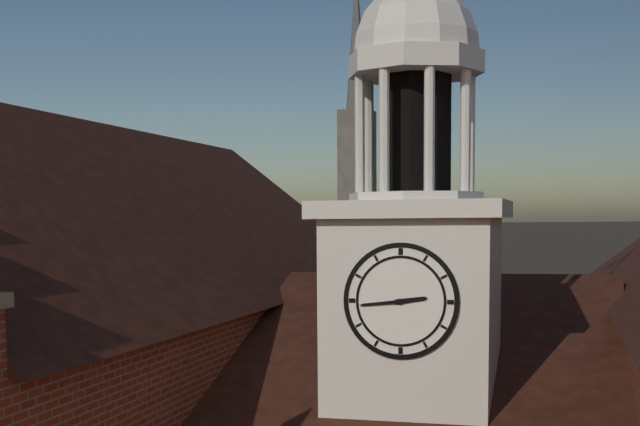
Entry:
h=2 m=44
